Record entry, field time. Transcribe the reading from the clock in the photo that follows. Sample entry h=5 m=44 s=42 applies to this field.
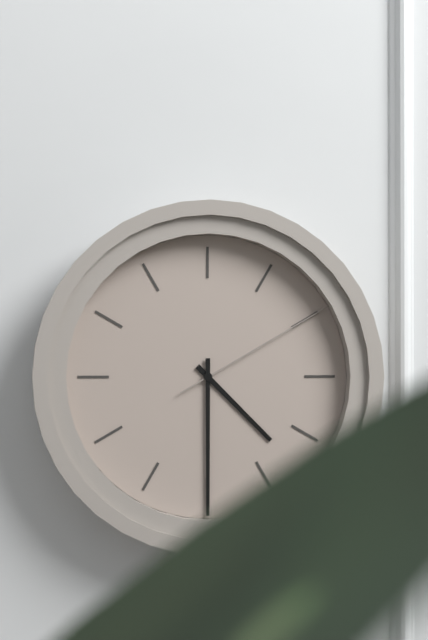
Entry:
h=4 m=30 s=10
